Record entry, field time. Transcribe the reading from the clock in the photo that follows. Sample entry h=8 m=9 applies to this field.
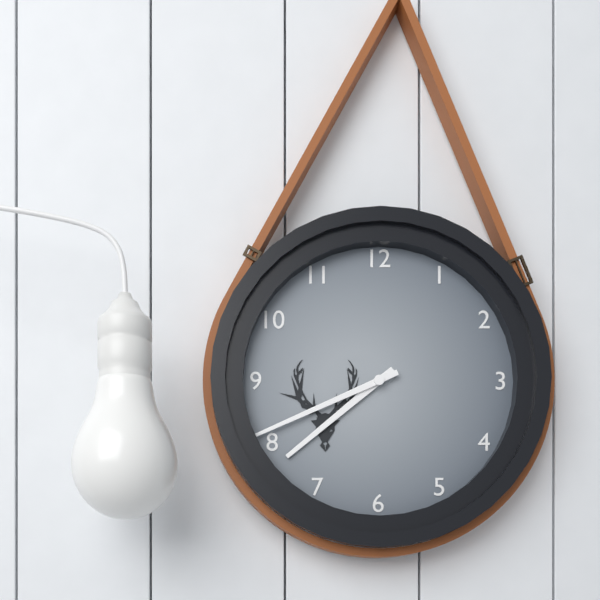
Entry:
h=7 m=41
